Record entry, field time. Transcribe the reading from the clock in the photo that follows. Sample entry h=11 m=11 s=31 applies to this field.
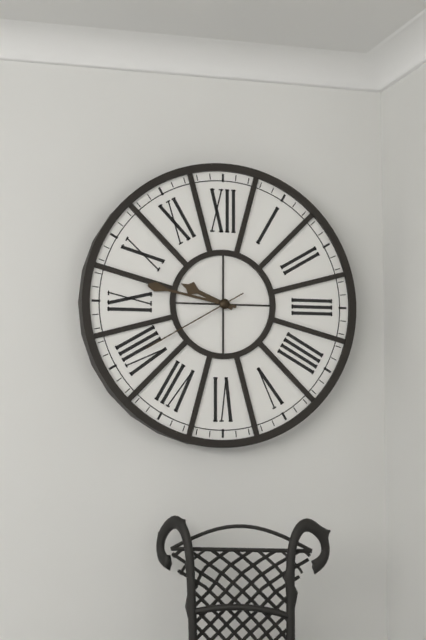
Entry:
h=9 m=47 s=40
